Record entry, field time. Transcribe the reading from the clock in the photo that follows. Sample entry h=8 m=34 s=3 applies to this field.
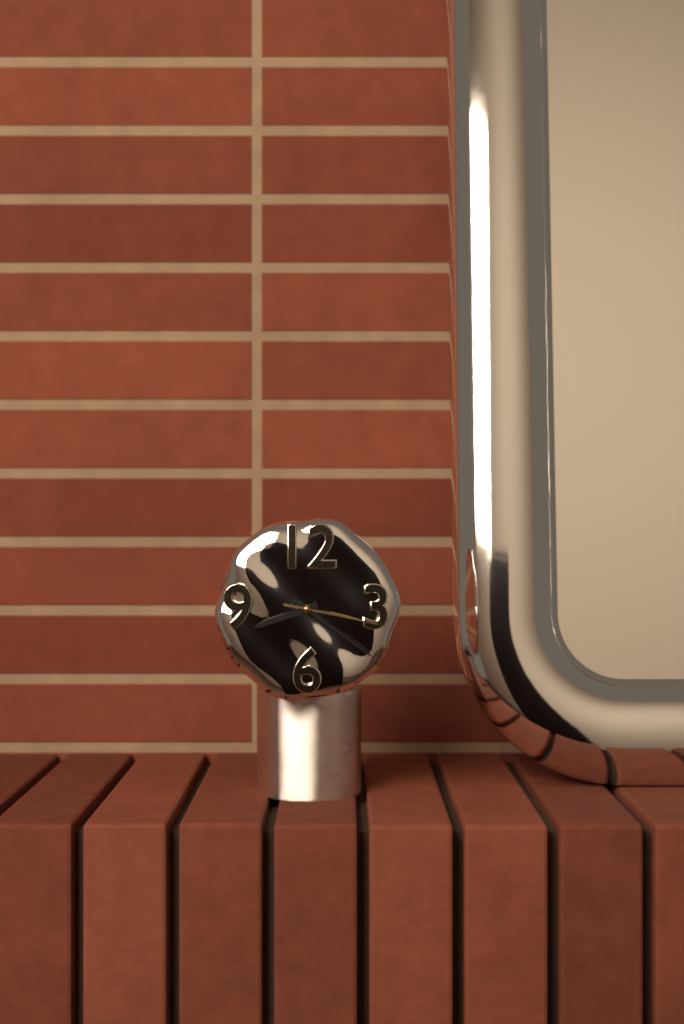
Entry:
h=8 m=21 s=17
